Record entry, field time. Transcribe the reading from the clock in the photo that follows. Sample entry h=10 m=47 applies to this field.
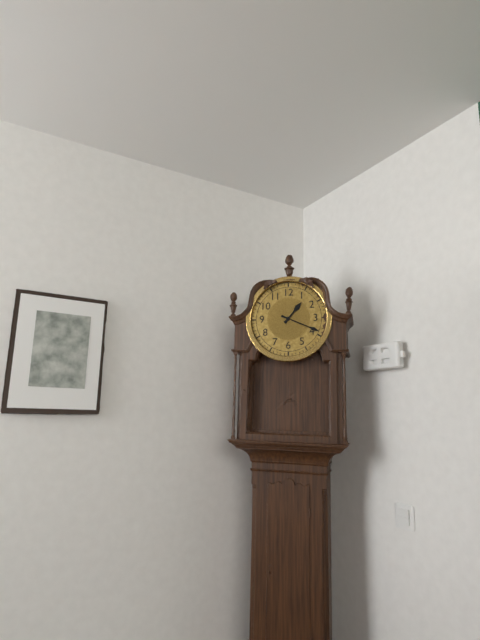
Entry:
h=1 m=19
